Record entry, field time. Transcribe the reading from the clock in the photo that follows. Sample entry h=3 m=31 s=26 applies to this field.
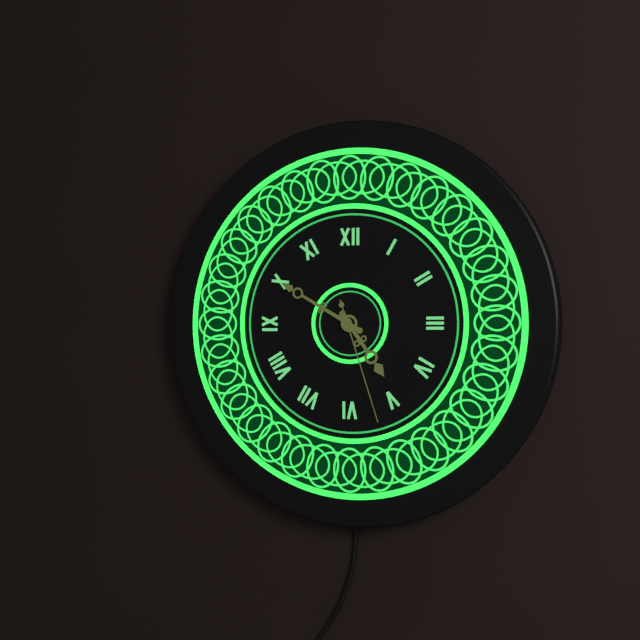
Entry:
h=4 m=50 s=27
